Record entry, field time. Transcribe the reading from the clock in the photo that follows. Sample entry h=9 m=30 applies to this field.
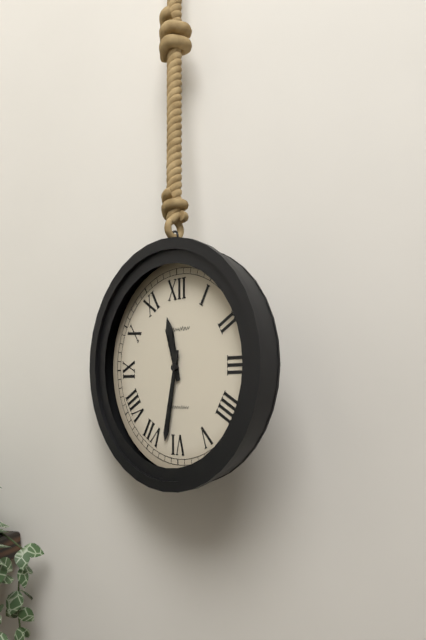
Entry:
h=11 m=32
